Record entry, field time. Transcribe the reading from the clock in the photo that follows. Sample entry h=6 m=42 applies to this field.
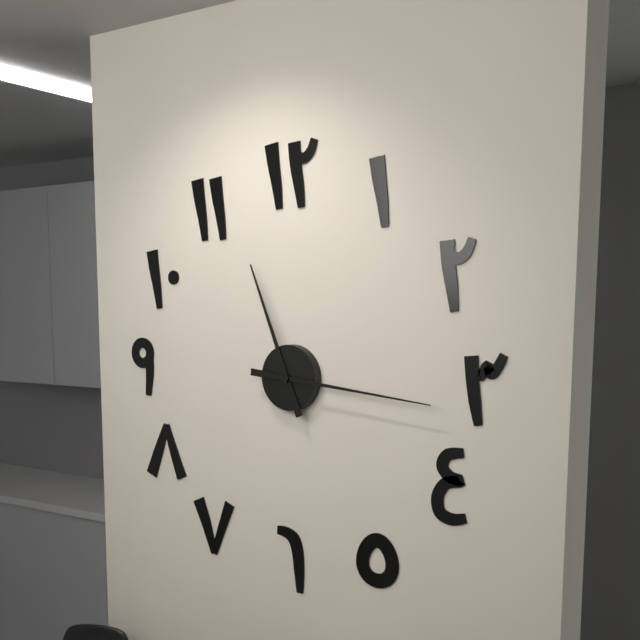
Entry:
h=11 m=16
